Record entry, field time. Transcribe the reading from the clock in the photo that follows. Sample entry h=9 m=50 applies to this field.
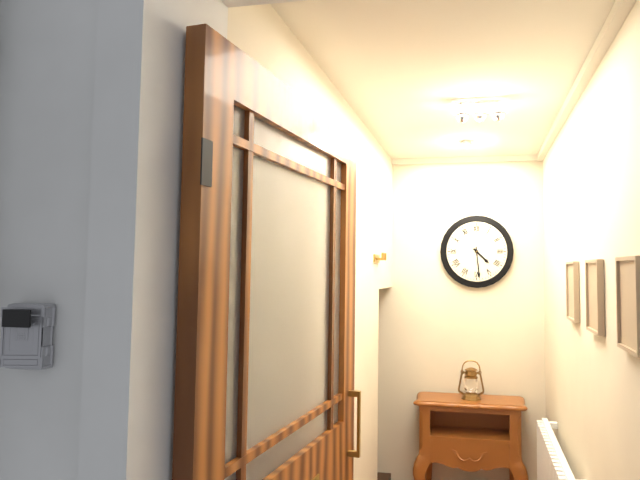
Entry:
h=4 m=29
